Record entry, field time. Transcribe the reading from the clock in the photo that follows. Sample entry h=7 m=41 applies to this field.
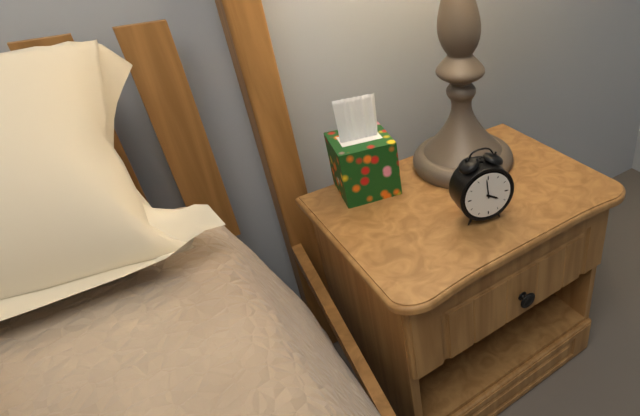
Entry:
h=3 m=59
